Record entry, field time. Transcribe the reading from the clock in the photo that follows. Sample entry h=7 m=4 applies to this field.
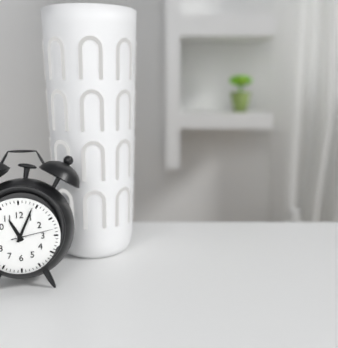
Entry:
h=11 m=4
